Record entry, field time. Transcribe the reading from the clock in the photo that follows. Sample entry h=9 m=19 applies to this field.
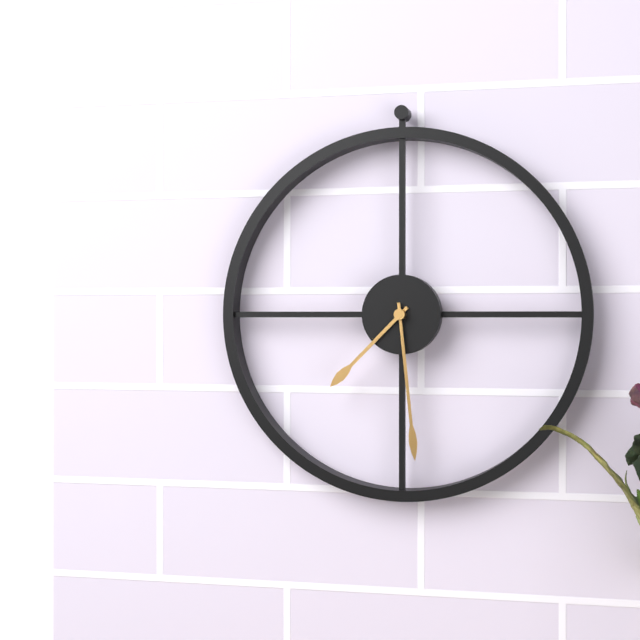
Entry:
h=7 m=29
